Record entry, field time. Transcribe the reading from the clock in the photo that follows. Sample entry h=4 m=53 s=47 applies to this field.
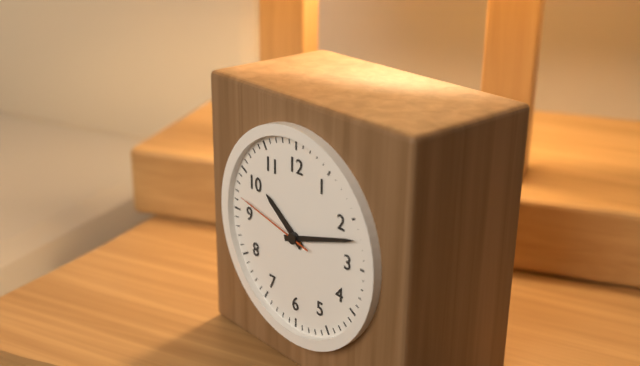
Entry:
h=10 m=12 s=47
